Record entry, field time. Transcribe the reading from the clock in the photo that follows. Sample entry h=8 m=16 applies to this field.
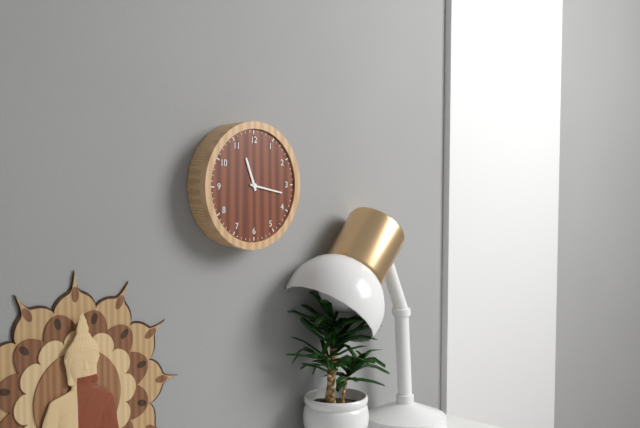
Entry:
h=11 m=17
